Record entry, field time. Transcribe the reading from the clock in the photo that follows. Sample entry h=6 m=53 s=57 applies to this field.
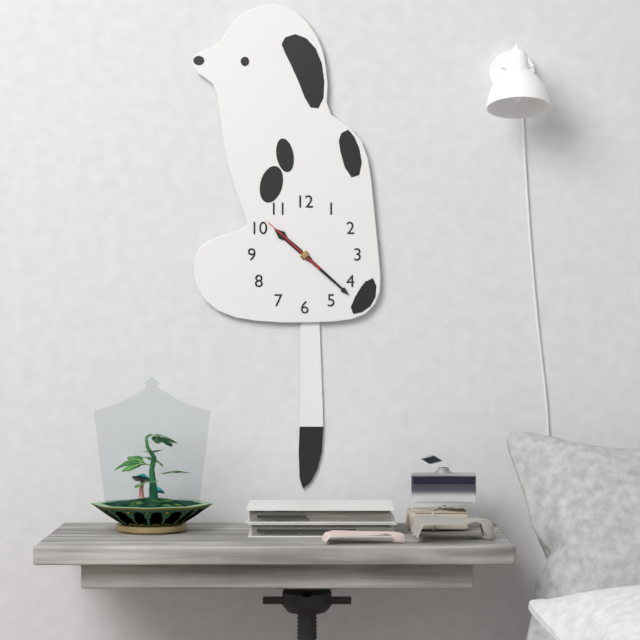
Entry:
h=10 m=22 s=52
